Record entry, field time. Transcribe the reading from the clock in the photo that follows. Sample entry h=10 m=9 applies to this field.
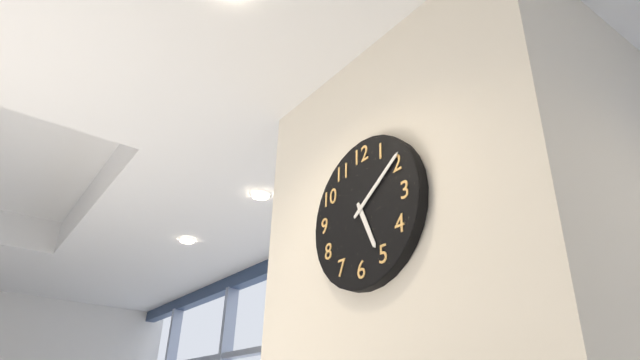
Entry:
h=5 m=9
